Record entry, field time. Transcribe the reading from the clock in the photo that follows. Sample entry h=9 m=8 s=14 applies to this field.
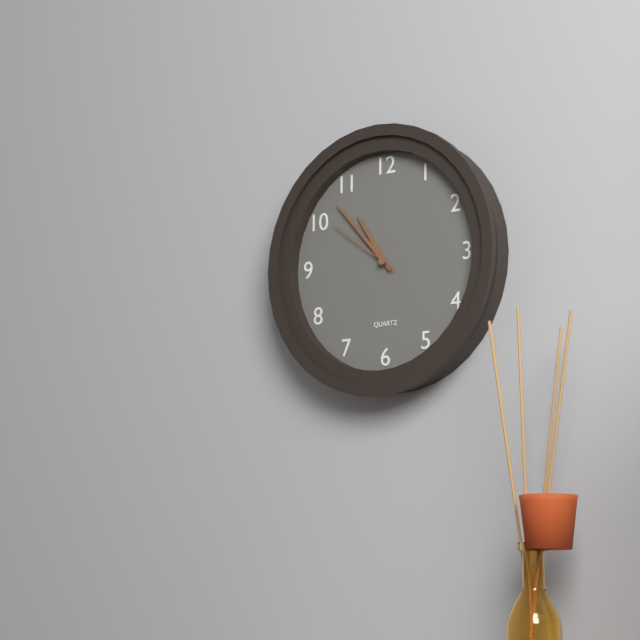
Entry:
h=10 m=53 s=51
